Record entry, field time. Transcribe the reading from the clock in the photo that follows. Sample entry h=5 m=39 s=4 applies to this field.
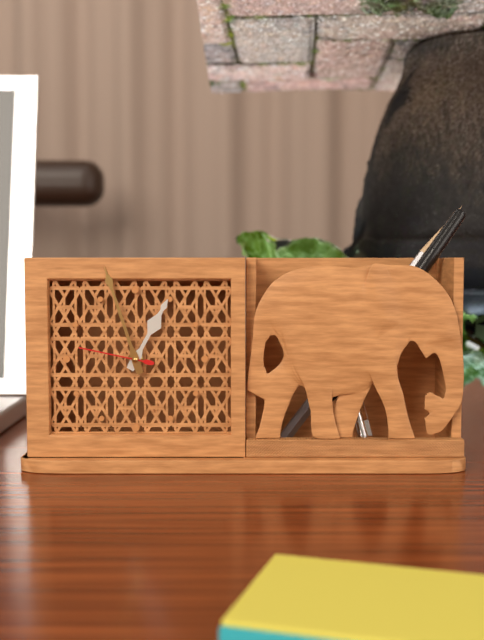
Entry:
h=12 m=57 s=47
